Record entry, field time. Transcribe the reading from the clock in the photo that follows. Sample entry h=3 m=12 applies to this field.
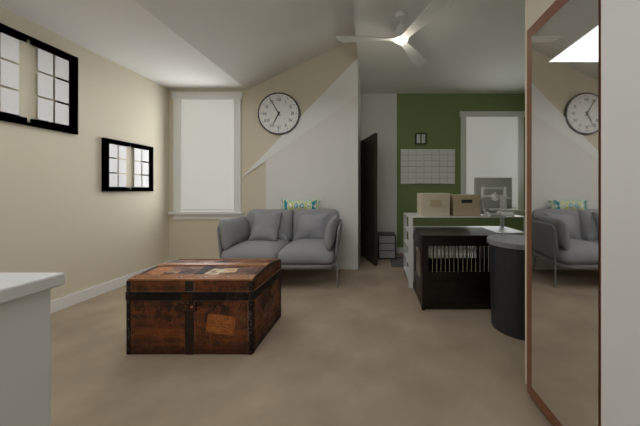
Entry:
h=6 m=55
